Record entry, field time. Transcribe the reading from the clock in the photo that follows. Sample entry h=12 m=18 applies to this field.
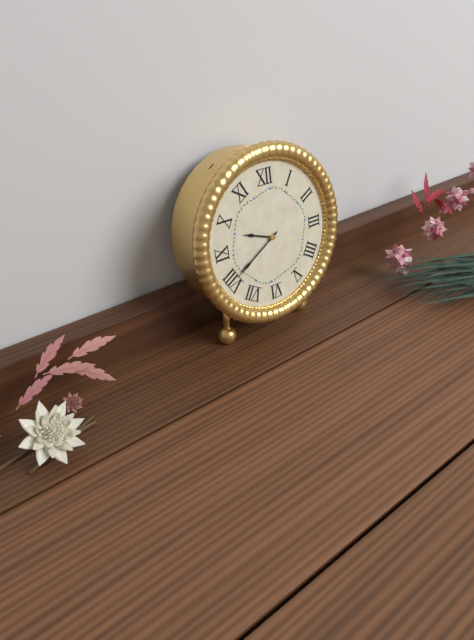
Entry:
h=9 m=40
